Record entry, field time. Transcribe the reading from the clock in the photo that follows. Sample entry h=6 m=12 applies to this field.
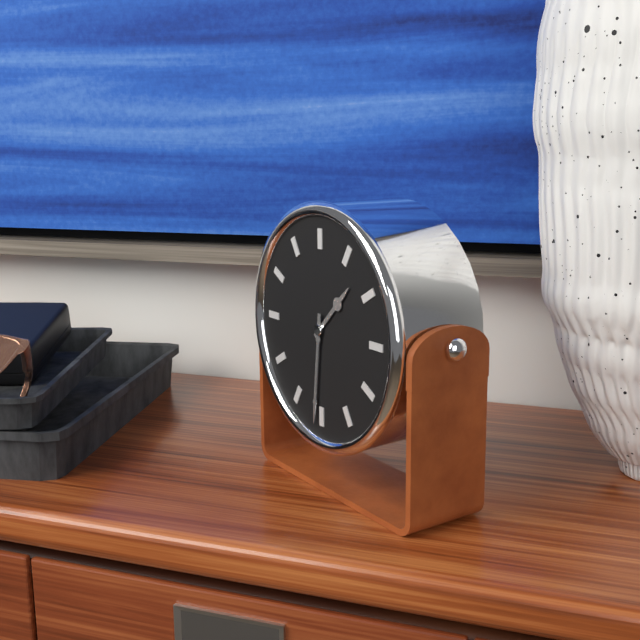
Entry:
h=1 m=31
